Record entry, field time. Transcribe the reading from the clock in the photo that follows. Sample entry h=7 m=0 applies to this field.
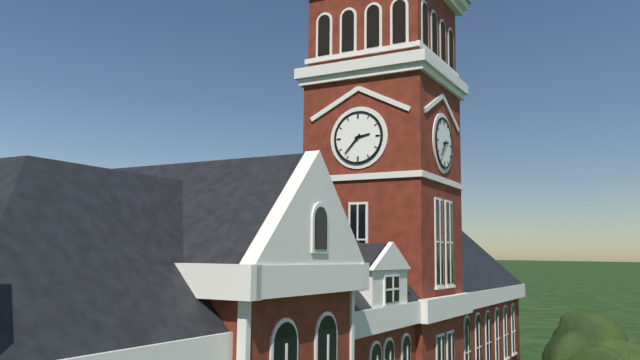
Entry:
h=2 m=37
